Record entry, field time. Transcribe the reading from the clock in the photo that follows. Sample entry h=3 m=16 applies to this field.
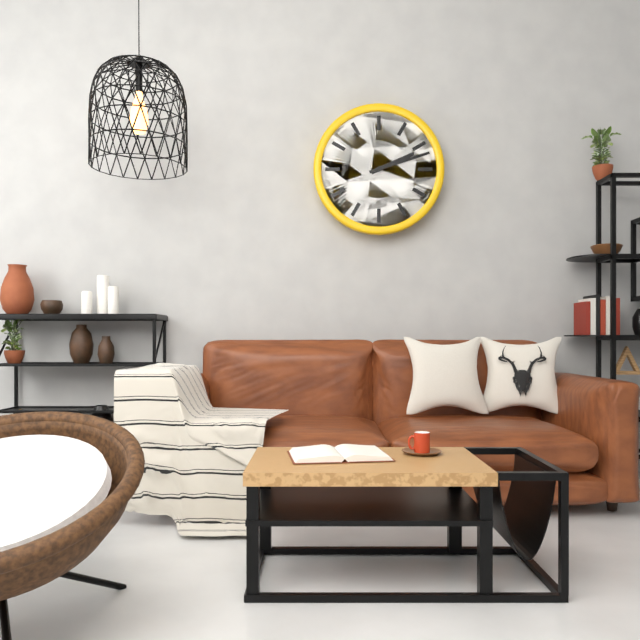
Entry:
h=2 m=12
